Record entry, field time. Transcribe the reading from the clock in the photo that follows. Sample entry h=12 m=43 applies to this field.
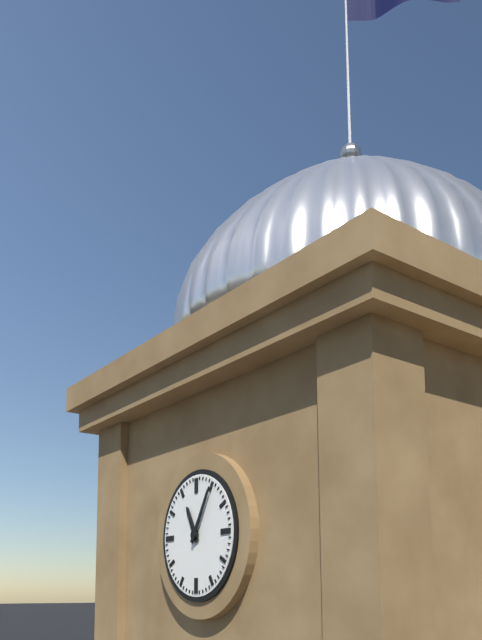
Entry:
h=11 m=5
